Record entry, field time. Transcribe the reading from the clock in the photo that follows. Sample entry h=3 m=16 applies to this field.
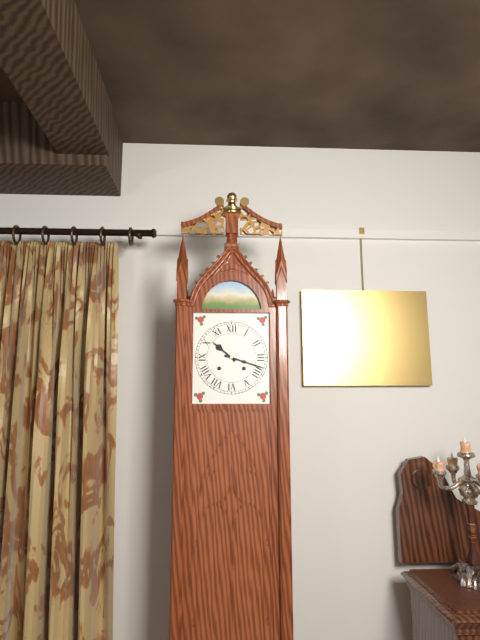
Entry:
h=10 m=18
